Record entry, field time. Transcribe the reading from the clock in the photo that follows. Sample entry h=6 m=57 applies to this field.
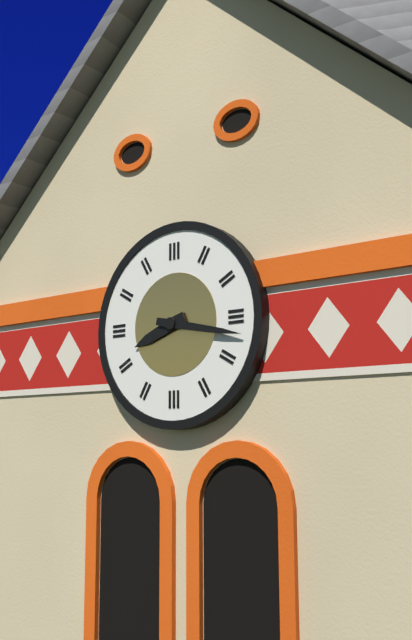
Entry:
h=8 m=17
